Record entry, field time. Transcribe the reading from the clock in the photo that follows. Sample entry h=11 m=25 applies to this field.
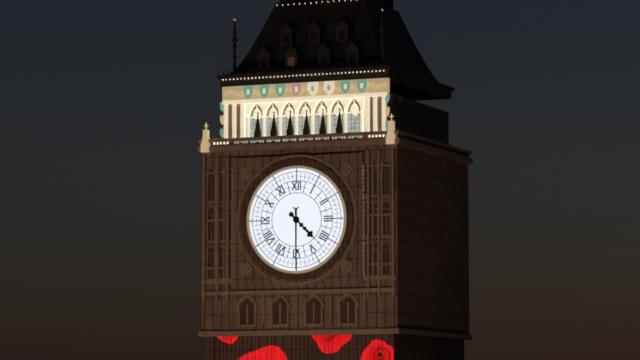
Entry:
h=4 m=30
